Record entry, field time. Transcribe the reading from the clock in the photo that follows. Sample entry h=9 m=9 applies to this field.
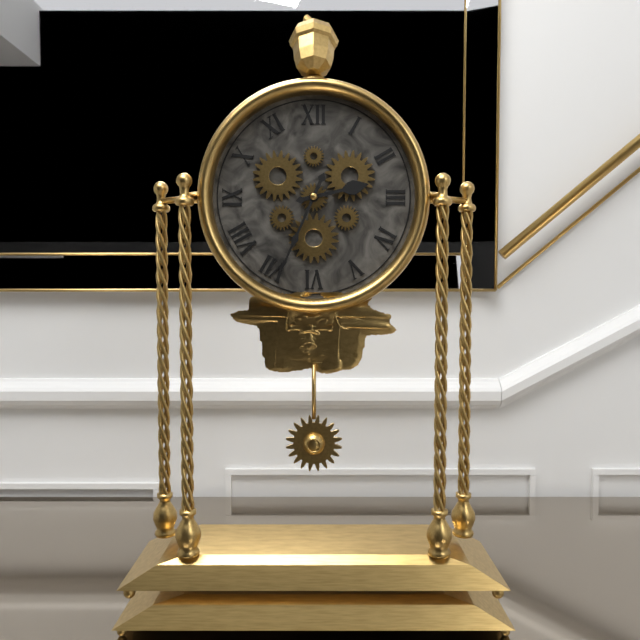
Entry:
h=2 m=34
